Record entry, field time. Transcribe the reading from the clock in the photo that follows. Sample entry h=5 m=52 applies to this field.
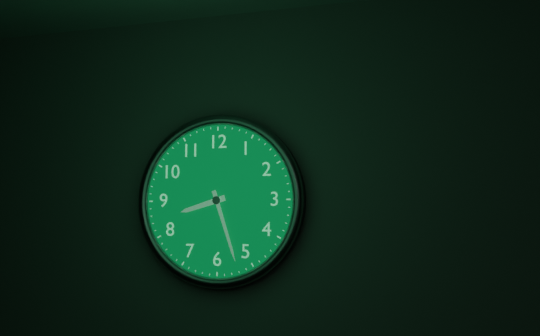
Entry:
h=8 m=27
